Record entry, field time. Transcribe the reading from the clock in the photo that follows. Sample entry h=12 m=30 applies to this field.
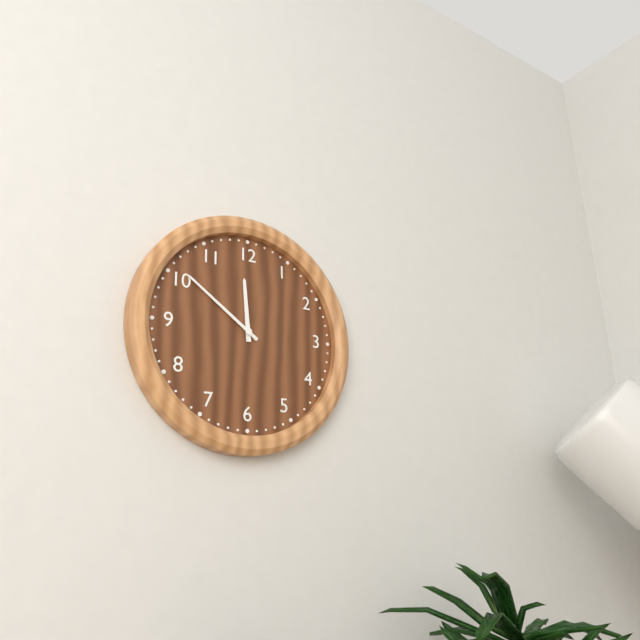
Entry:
h=11 m=51
